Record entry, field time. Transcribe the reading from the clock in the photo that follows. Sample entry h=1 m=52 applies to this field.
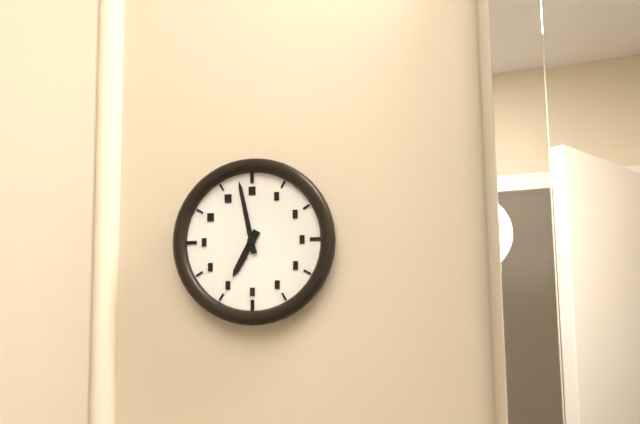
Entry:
h=6 m=58
